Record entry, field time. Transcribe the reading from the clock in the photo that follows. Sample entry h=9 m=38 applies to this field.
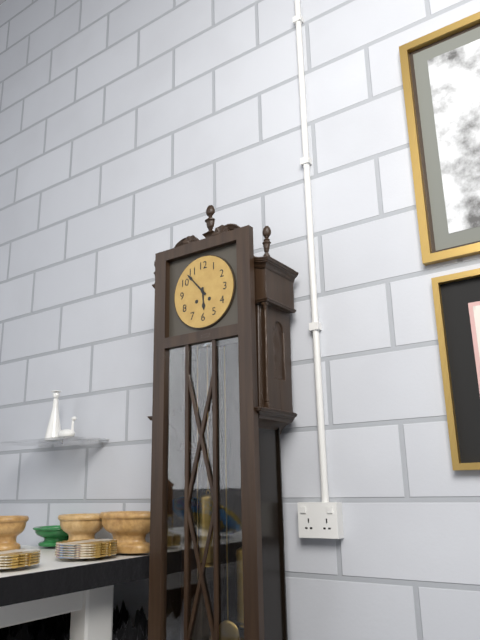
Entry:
h=5 m=53
